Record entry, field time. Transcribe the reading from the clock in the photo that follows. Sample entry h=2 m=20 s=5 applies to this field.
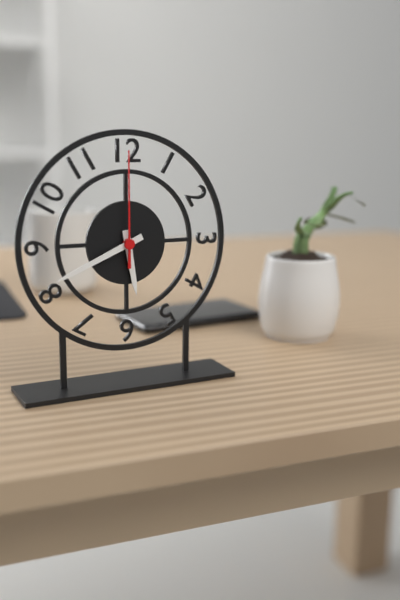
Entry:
h=5 m=41 s=0
